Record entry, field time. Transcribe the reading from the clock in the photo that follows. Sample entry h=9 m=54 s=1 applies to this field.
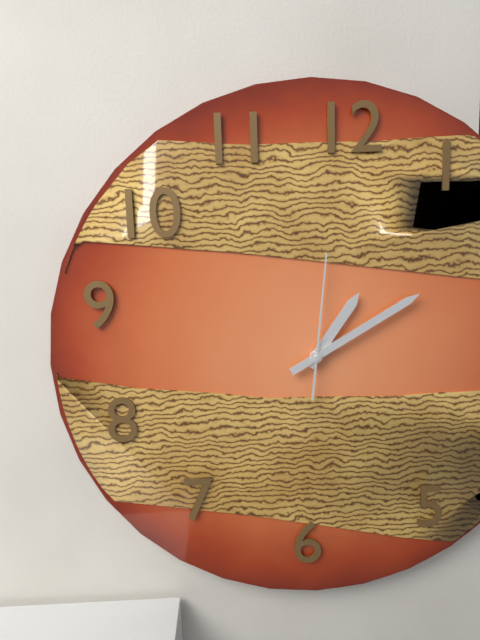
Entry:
h=1 m=10 s=1
